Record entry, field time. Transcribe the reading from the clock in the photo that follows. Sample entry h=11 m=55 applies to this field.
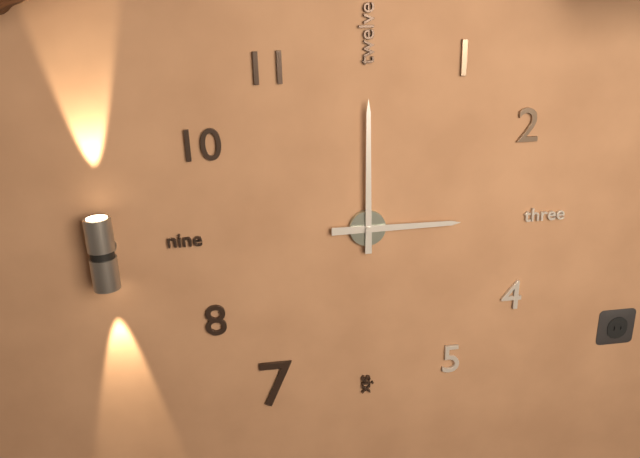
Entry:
h=3 m=0
